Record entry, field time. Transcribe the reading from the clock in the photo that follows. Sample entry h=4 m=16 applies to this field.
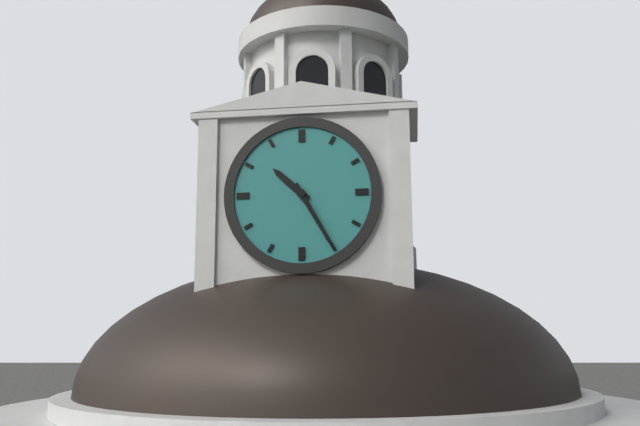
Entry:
h=10 m=25
